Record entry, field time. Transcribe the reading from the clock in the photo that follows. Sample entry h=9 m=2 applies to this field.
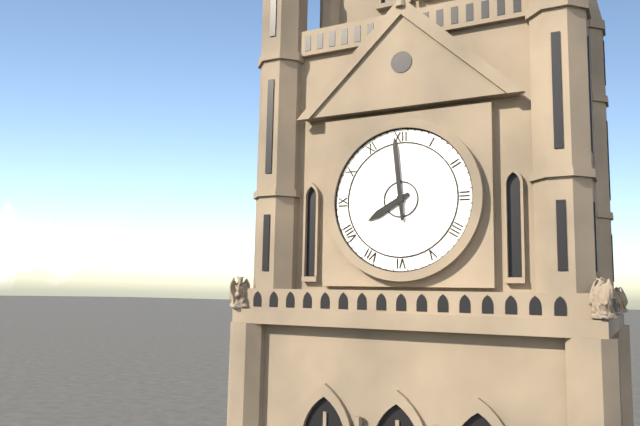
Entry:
h=7 m=59
